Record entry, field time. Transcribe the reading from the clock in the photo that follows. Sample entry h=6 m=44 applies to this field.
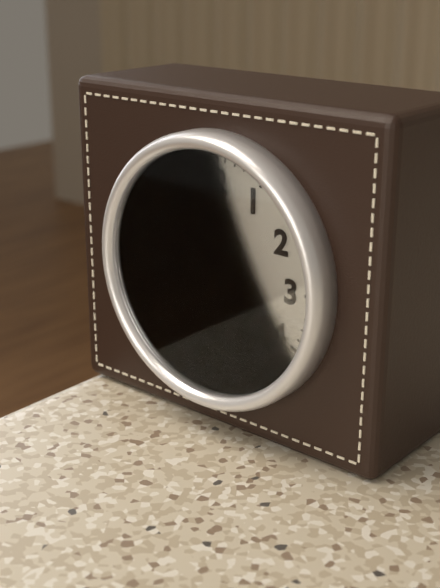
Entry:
h=9 m=39
